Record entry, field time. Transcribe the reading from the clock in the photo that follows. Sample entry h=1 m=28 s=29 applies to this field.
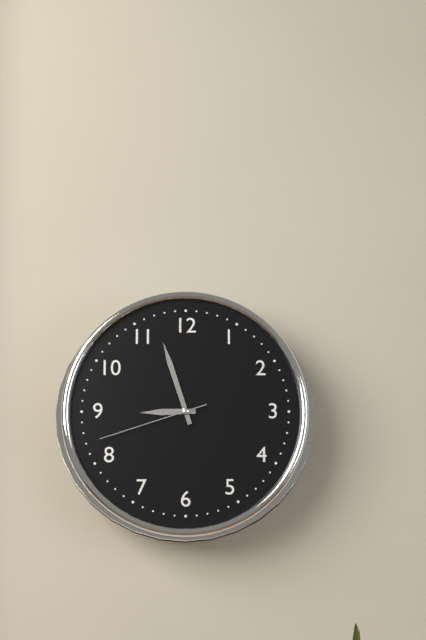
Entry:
h=8 m=57 s=42
